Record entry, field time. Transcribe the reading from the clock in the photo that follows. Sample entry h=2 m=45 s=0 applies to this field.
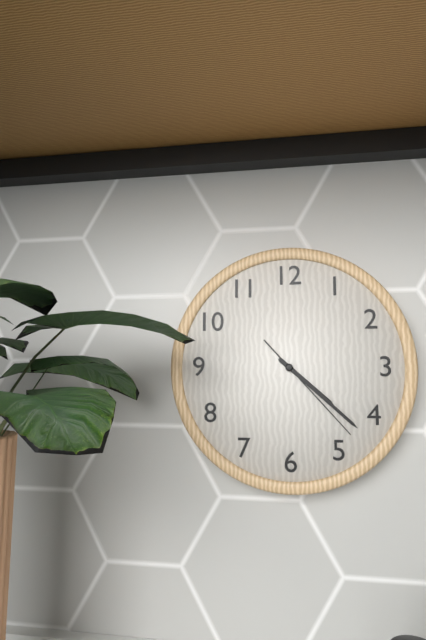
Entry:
h=4 m=22 s=23
